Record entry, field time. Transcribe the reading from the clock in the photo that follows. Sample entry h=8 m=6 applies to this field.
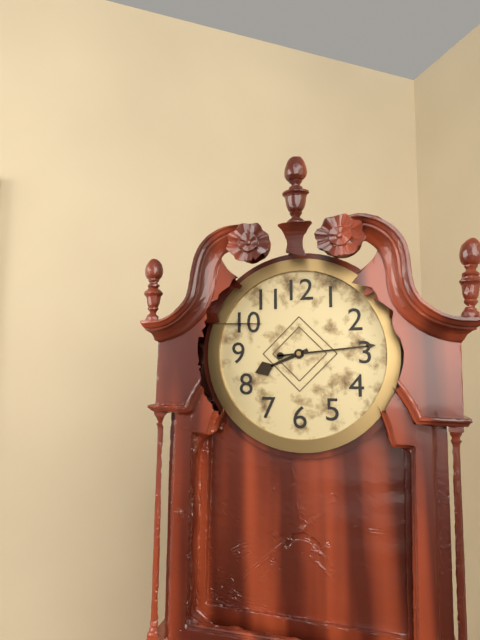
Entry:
h=8 m=14
